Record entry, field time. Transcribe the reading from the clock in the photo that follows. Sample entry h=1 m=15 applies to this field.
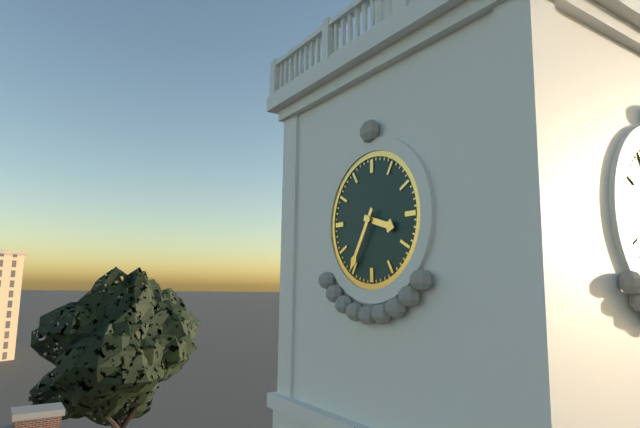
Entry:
h=3 m=35
